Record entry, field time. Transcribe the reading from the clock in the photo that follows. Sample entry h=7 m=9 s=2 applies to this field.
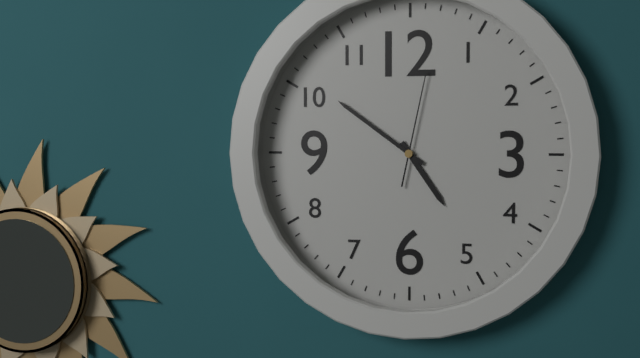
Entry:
h=4 m=51 s=2
